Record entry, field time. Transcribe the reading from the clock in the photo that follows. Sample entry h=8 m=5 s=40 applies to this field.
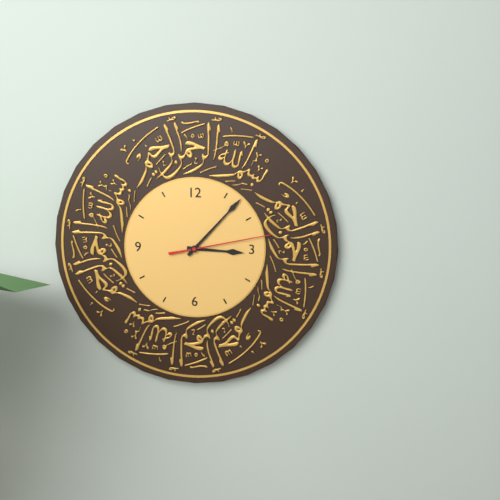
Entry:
h=3 m=7 s=13
